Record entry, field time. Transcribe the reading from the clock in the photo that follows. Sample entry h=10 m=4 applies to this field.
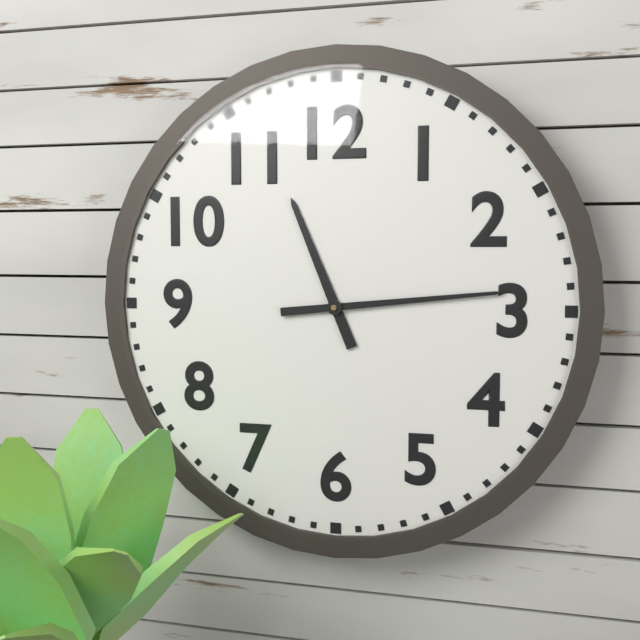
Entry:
h=11 m=14
